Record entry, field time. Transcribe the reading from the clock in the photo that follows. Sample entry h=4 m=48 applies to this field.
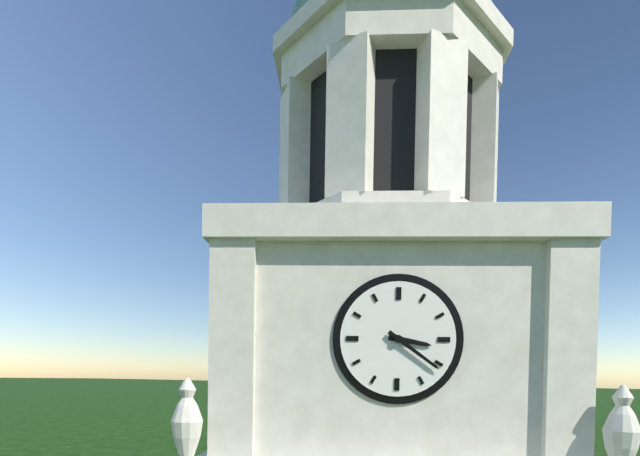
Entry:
h=3 m=21
